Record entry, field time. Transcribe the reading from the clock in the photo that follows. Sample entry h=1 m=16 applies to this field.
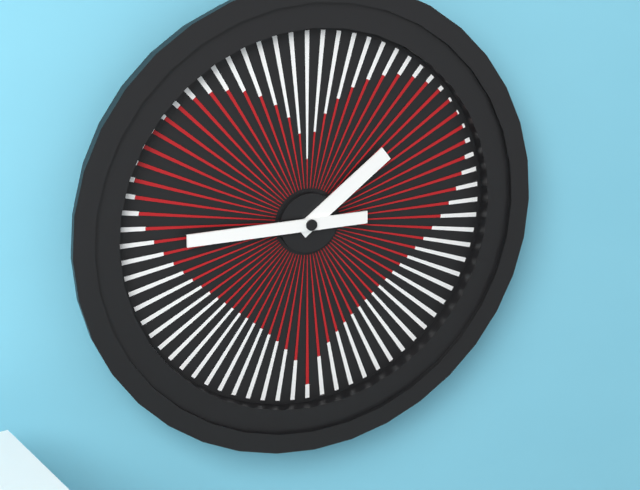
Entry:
h=1 m=45
